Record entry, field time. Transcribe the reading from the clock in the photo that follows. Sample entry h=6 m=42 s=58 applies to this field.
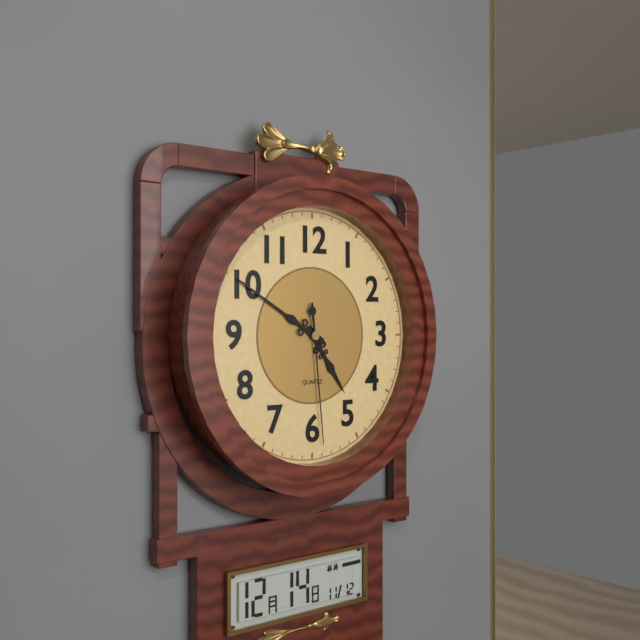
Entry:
h=4 m=50 s=29
